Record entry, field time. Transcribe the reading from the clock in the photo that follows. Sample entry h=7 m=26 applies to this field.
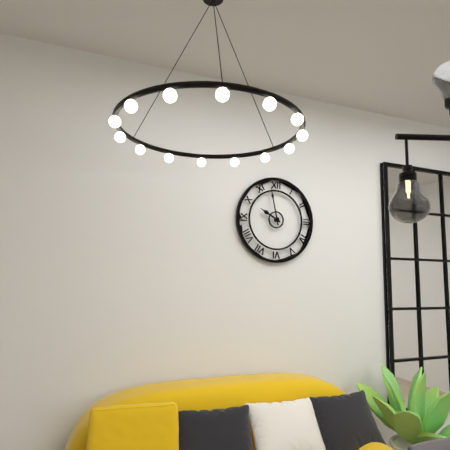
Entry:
h=9 m=58
